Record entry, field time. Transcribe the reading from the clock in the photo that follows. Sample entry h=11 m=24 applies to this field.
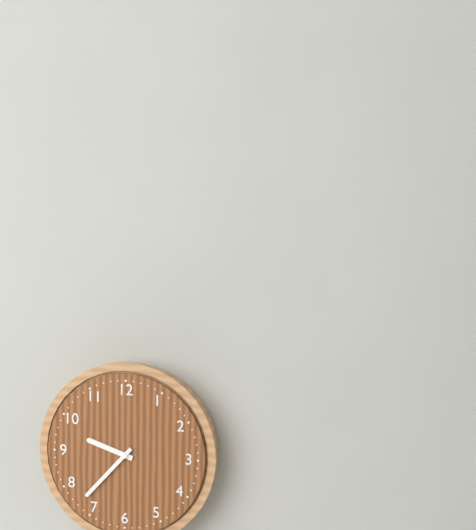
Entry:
h=9 m=37
